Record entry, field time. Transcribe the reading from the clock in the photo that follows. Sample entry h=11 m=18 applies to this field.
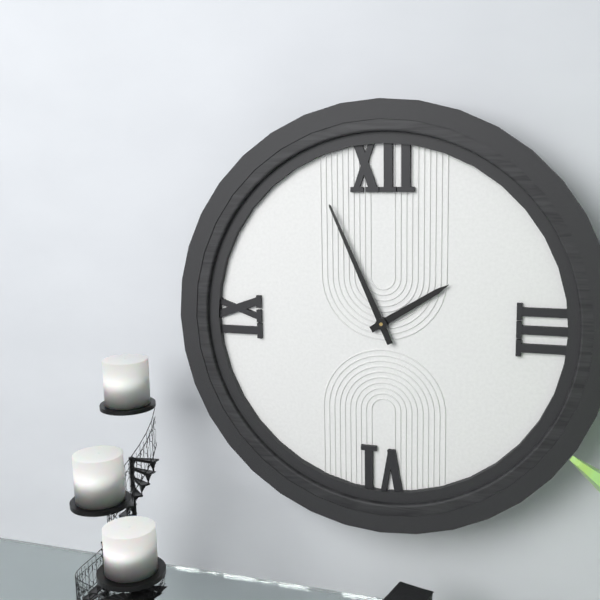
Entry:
h=1 m=56
